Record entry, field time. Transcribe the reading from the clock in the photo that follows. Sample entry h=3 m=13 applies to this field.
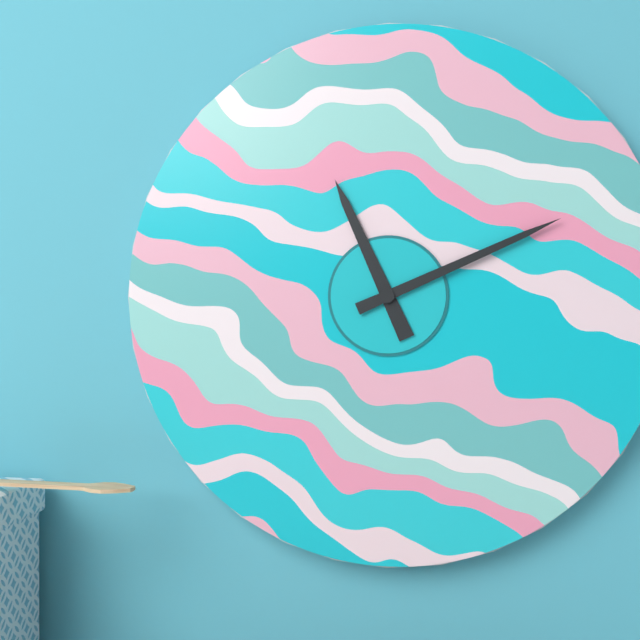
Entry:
h=11 m=11
